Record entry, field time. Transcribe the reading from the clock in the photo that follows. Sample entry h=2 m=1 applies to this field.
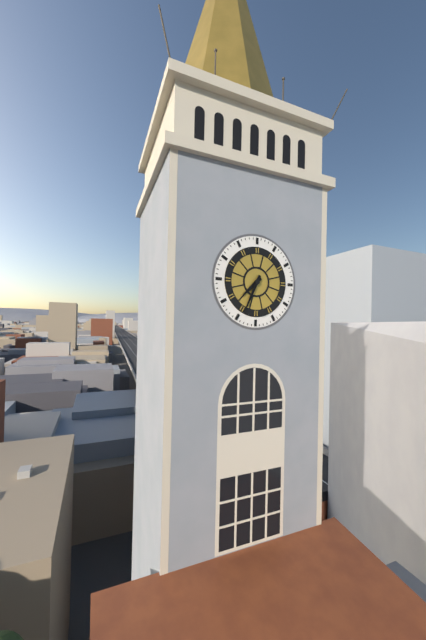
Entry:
h=7 m=34
